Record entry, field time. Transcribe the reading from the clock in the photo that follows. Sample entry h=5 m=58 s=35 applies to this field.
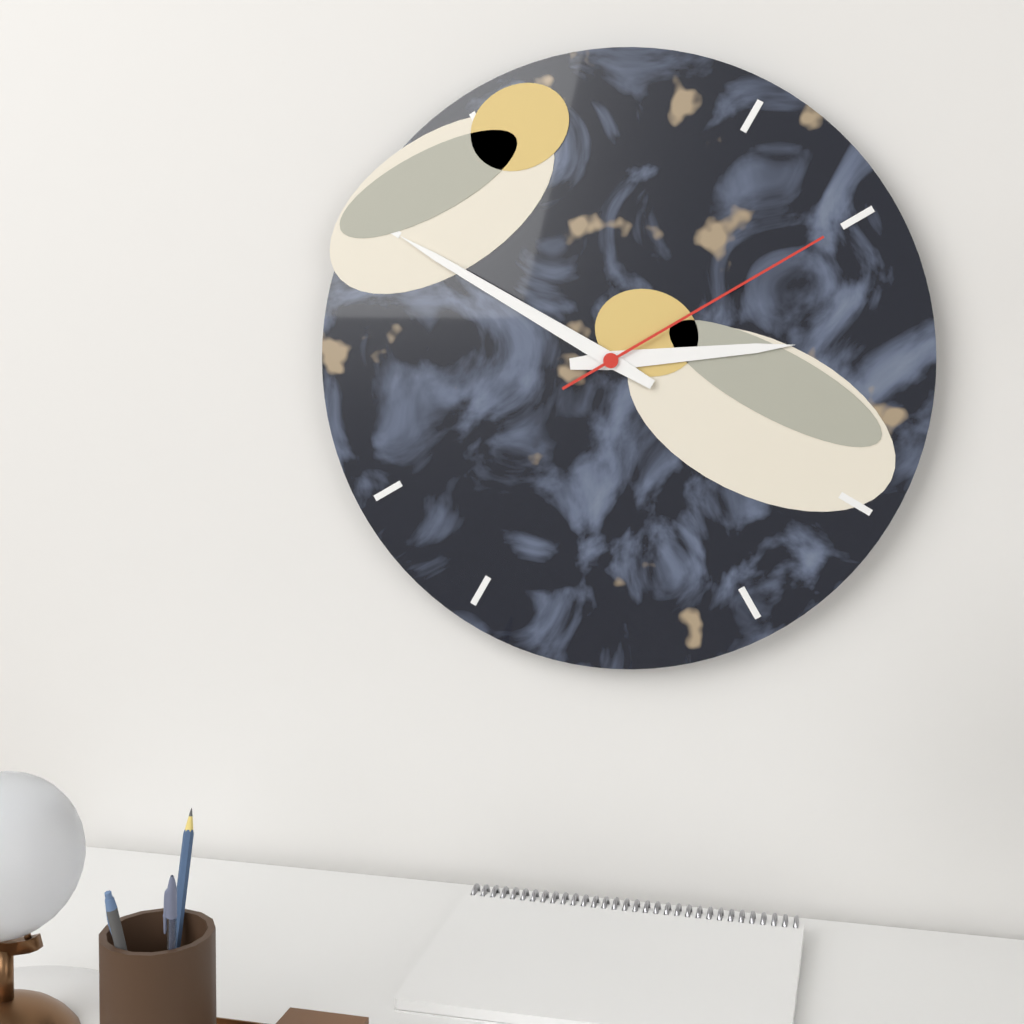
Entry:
h=2 m=50 s=10
